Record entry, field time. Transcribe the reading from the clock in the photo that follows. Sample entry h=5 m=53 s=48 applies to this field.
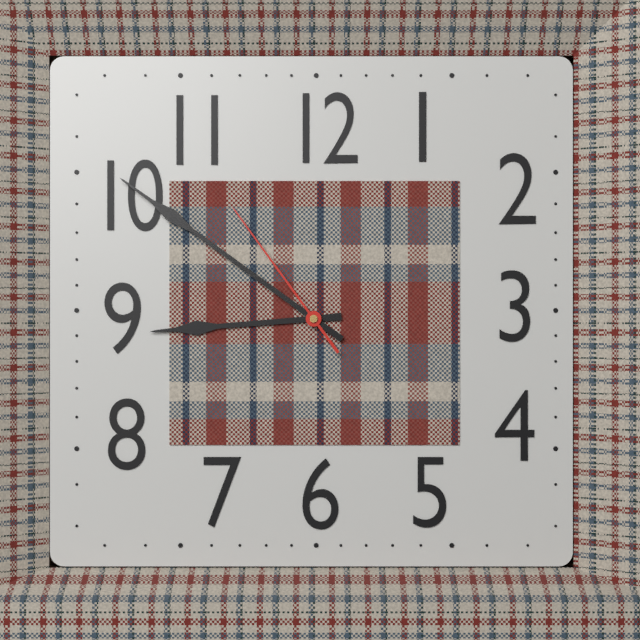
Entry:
h=8 m=51 s=54
